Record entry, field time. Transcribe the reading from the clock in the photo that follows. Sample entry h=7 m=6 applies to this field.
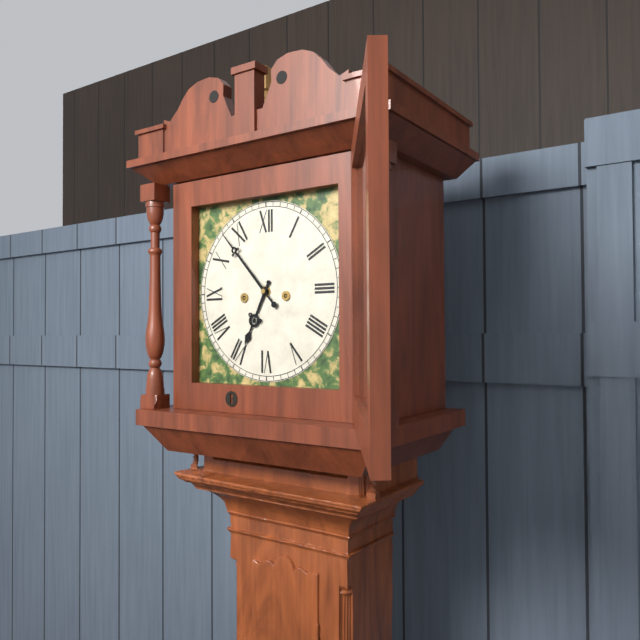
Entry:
h=6 m=53
